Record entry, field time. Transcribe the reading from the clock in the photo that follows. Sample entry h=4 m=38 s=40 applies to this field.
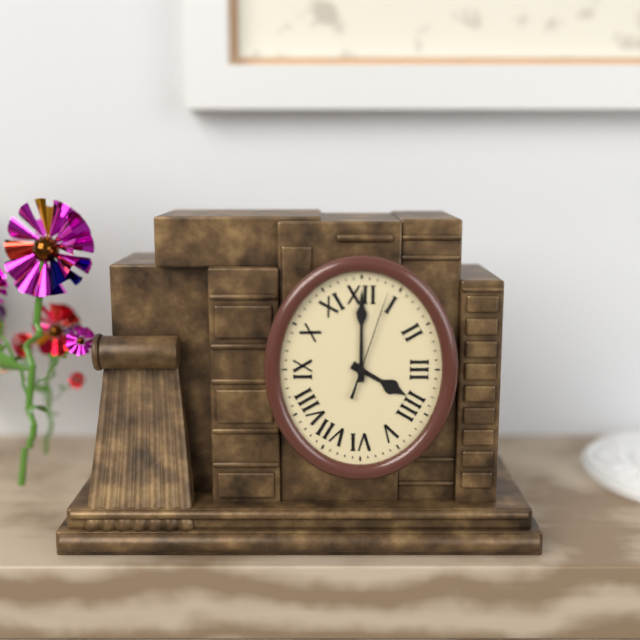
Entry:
h=4 m=0 s=3
